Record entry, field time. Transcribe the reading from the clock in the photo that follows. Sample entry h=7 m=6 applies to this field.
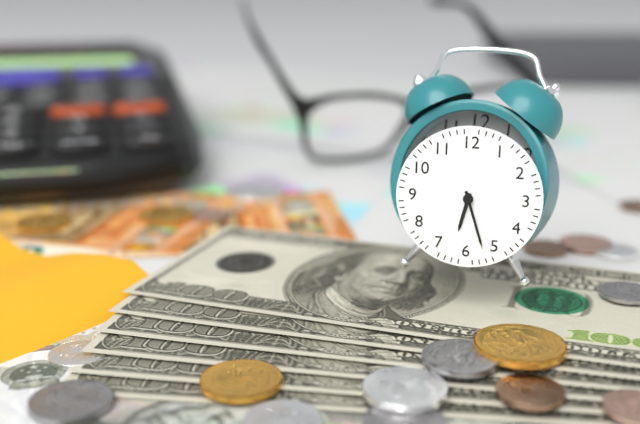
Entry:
h=6 m=27
